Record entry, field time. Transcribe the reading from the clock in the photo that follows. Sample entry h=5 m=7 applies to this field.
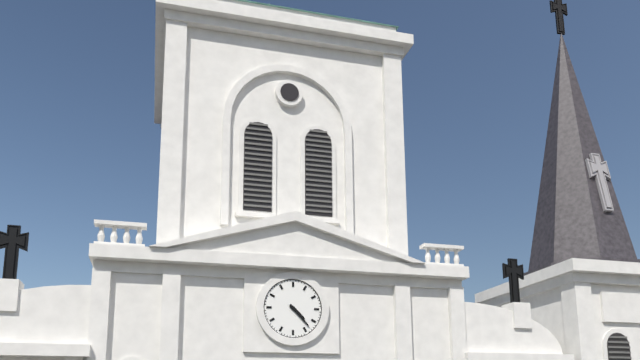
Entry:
h=4 m=23
